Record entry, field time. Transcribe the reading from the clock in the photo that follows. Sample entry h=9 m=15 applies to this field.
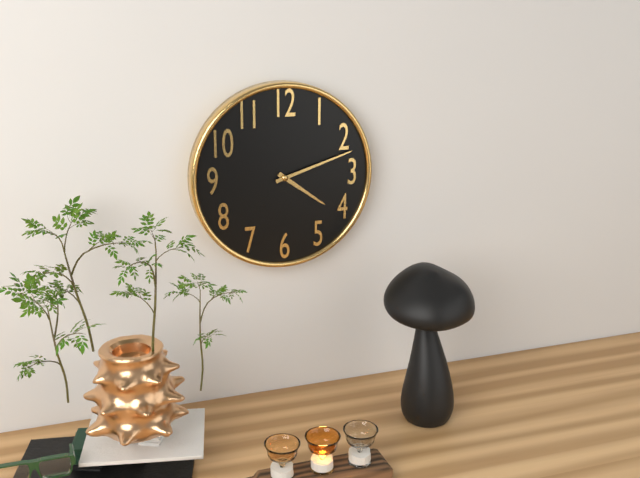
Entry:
h=4 m=12
